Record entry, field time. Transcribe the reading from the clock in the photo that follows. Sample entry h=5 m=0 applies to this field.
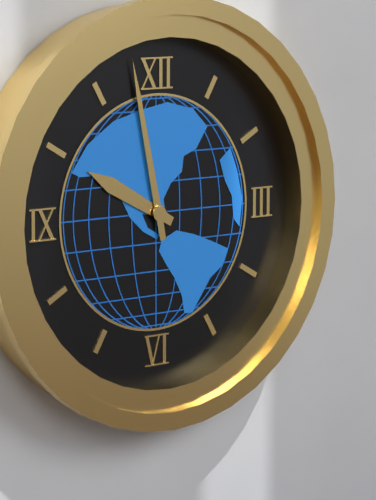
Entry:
h=9 m=58
